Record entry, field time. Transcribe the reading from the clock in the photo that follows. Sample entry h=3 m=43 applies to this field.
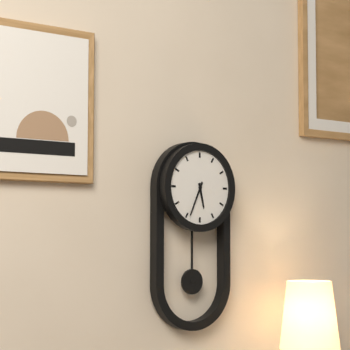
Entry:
h=5 m=34
